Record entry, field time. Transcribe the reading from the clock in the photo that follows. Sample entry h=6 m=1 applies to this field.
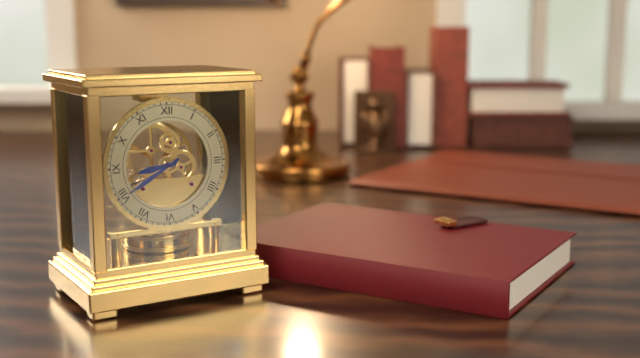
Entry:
h=8 m=40
